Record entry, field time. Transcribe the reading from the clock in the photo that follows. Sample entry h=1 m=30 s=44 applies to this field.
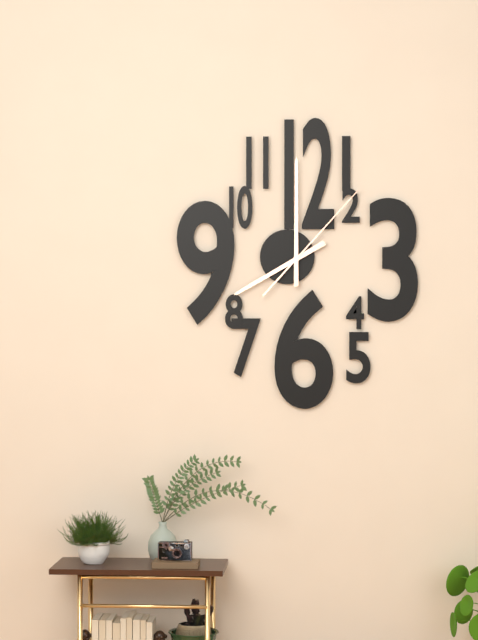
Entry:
h=8 m=0 s=7
